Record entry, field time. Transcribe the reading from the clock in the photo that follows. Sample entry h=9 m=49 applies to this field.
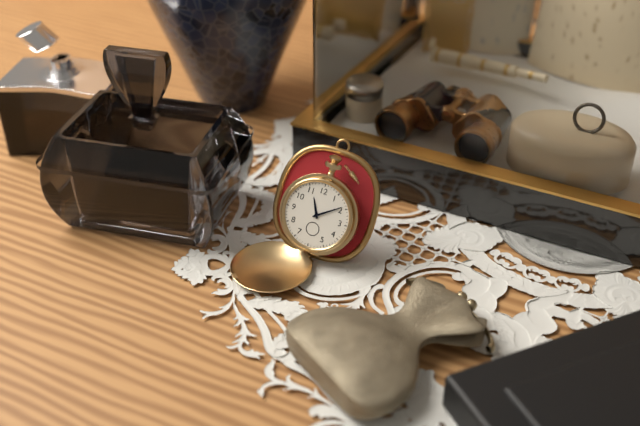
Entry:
h=11 m=9
